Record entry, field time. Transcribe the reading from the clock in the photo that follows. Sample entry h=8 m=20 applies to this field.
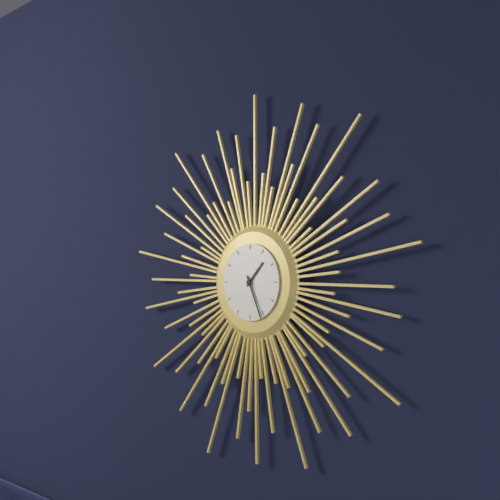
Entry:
h=1 m=26
